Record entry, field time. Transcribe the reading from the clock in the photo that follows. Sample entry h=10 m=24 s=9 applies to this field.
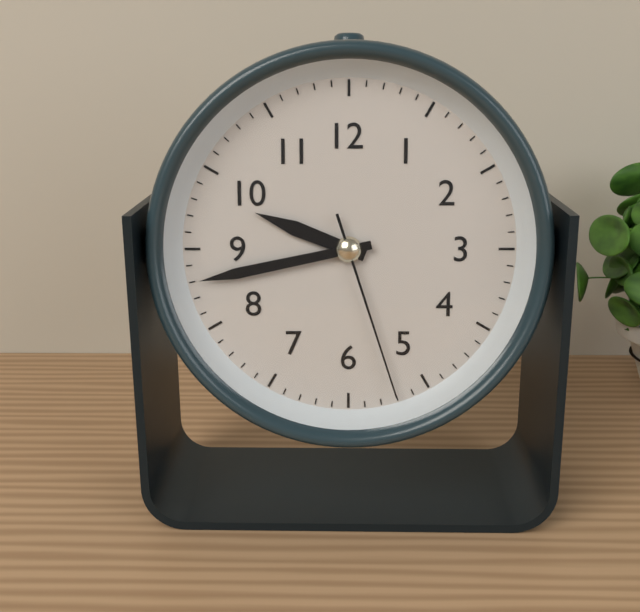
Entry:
h=9 m=43 s=27
